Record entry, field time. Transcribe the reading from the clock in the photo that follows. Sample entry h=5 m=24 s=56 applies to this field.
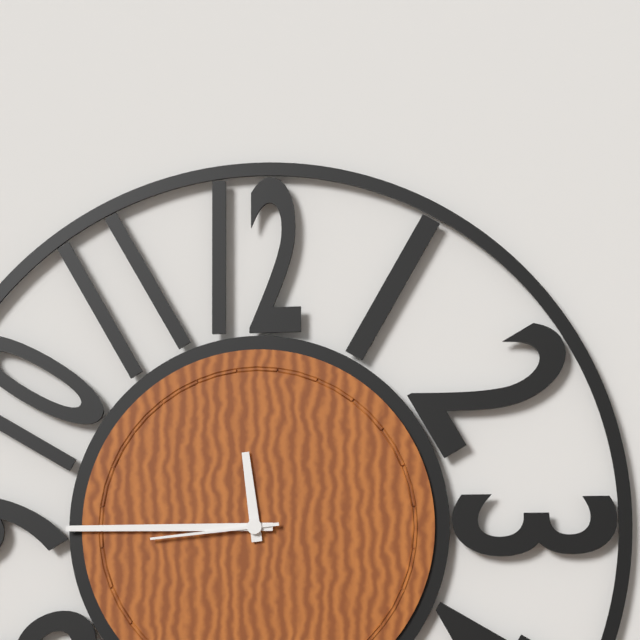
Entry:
h=11 m=45 s=44
